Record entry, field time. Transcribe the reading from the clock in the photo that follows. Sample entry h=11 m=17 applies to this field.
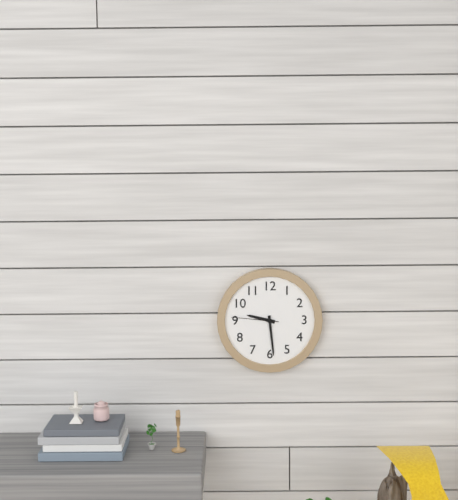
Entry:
h=9 m=29
